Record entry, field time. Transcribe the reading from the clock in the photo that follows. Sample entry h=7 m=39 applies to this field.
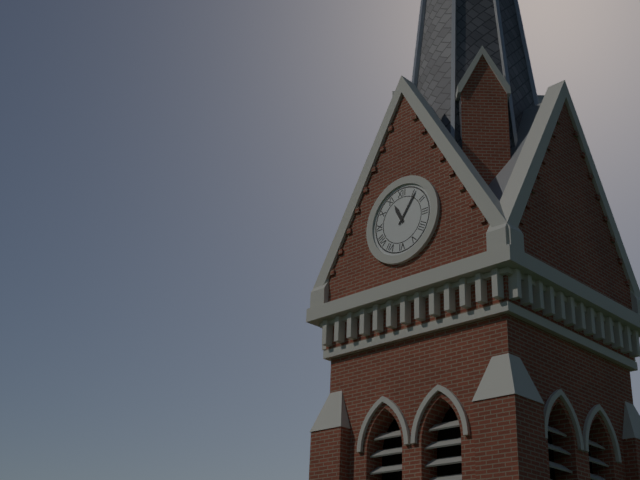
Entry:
h=11 m=6
